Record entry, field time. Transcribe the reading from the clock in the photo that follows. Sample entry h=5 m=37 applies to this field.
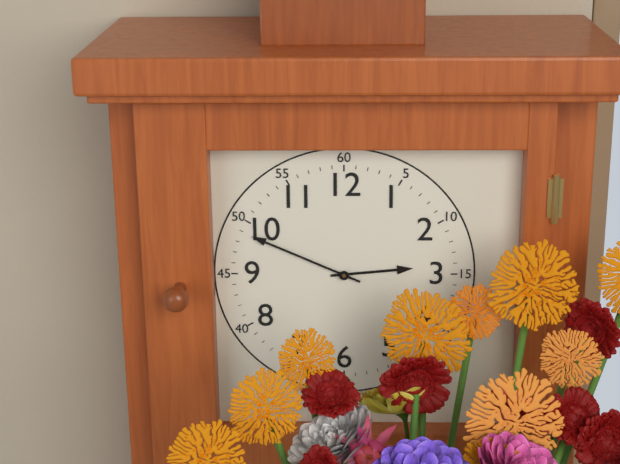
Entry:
h=2 m=49
